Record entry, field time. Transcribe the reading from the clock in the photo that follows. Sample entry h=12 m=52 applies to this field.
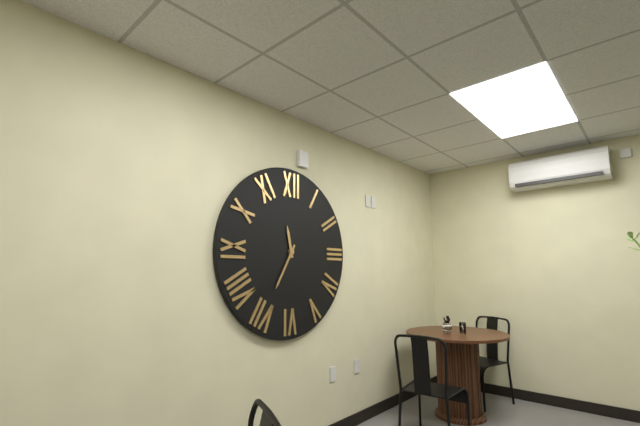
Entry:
h=11 m=35
